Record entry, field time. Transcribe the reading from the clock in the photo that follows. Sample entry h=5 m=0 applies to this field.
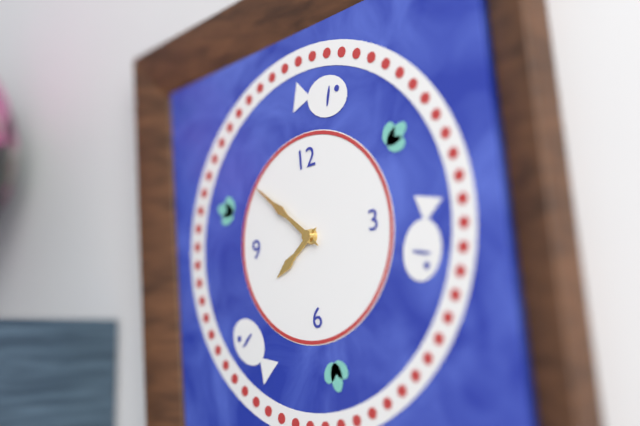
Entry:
h=7 m=52
